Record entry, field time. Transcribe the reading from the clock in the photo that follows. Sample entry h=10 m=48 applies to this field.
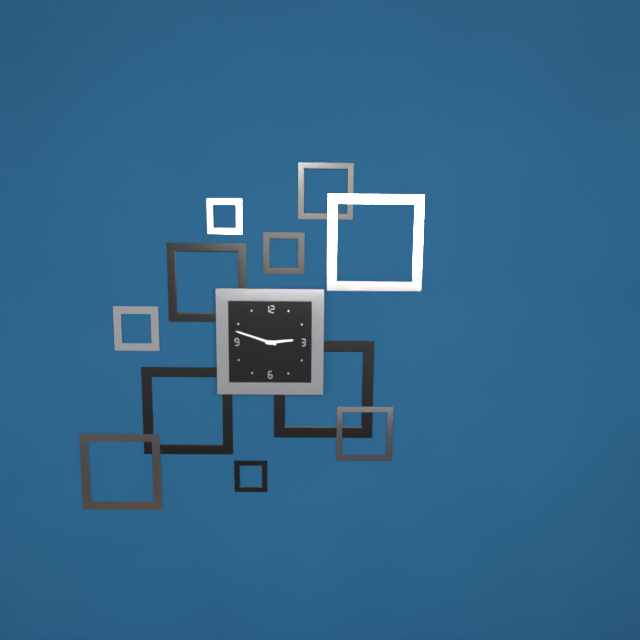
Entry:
h=2 m=48
